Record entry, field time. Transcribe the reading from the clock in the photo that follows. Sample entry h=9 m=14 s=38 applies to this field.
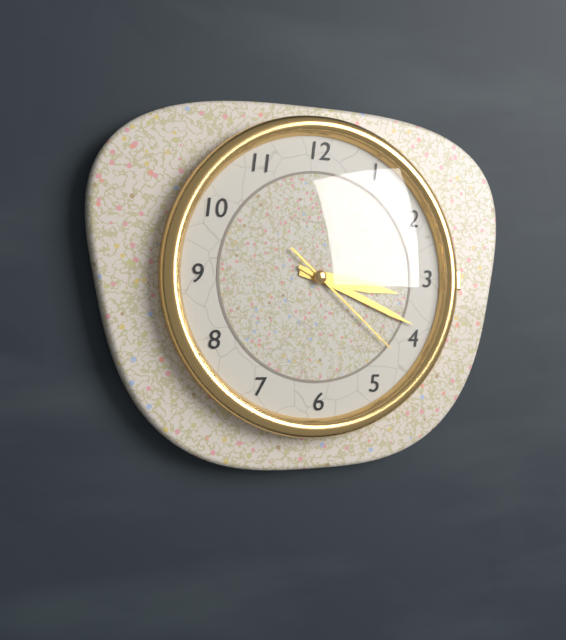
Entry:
h=3 m=19 s=22
